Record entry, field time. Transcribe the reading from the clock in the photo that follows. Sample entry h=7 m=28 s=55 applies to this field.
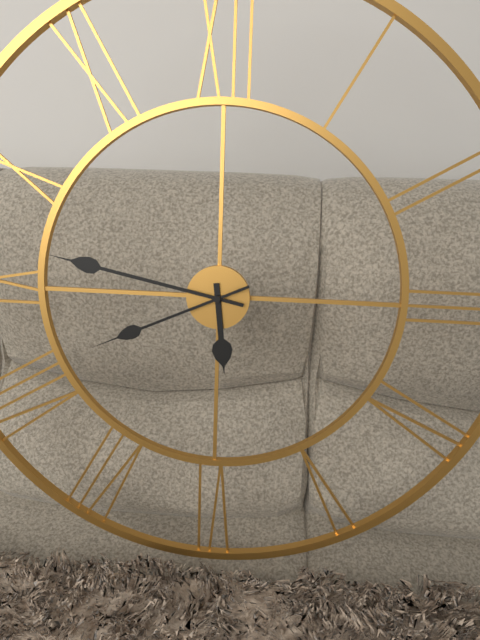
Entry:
h=5 m=47 s=41
